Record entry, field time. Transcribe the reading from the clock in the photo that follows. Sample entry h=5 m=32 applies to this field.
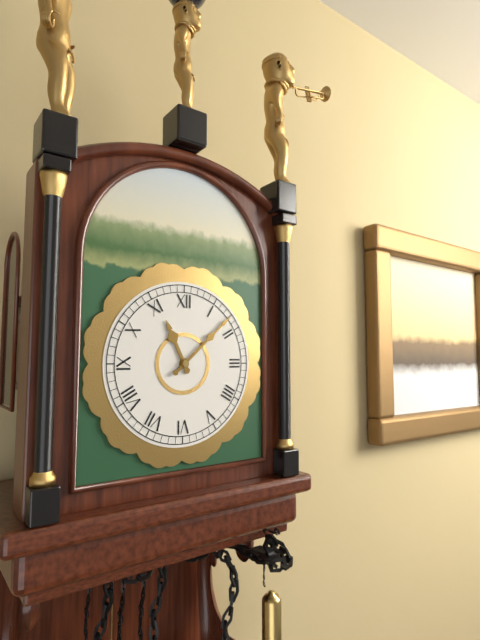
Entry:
h=11 m=8
